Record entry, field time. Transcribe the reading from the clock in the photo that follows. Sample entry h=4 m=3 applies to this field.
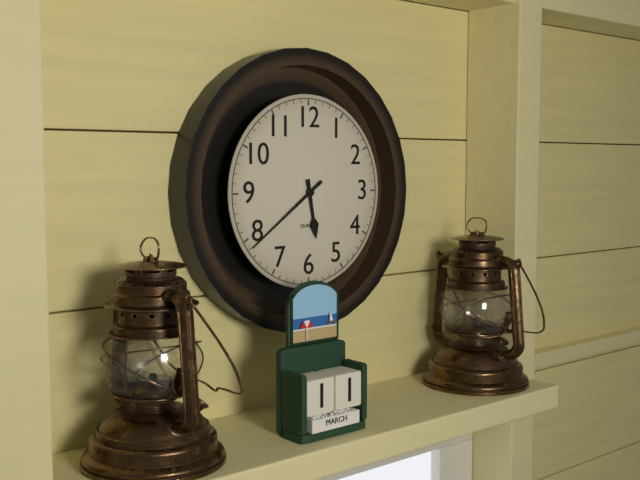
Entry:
h=5 m=39
